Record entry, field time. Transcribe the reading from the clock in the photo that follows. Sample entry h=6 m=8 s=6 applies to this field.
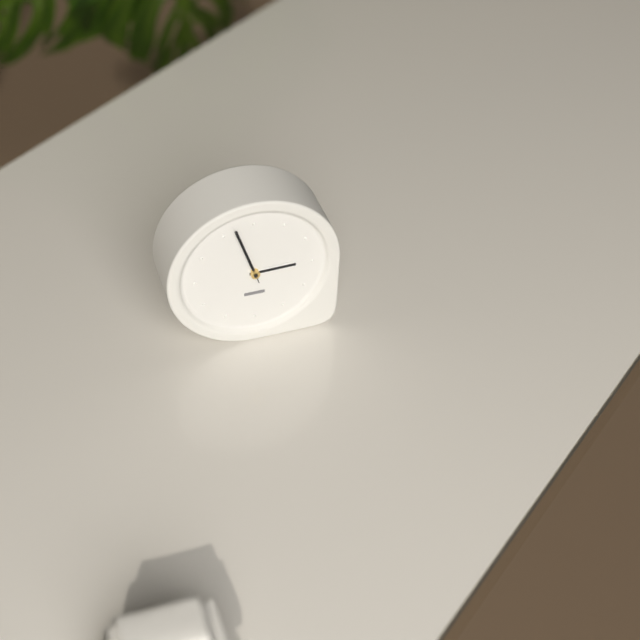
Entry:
h=2 m=57 s=57
